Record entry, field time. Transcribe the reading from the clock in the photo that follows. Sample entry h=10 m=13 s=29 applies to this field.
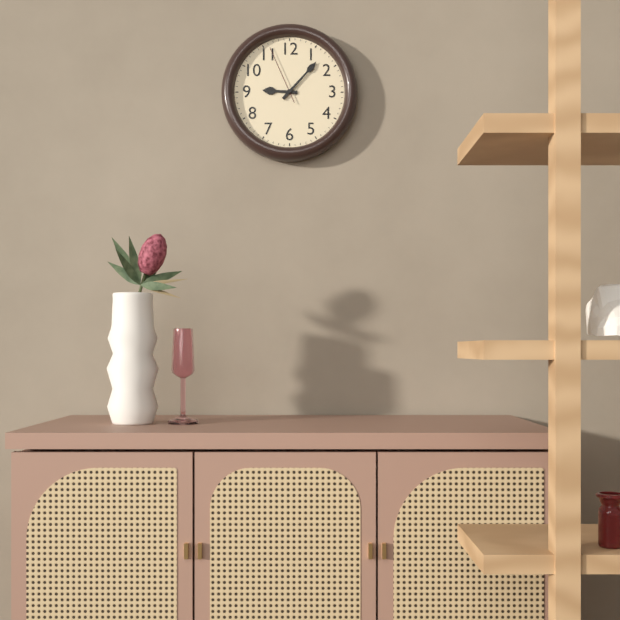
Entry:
h=9 m=7 s=56
